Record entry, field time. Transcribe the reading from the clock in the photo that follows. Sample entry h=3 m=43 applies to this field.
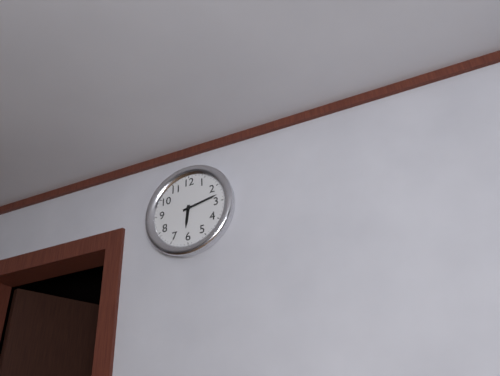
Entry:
h=6 m=13
